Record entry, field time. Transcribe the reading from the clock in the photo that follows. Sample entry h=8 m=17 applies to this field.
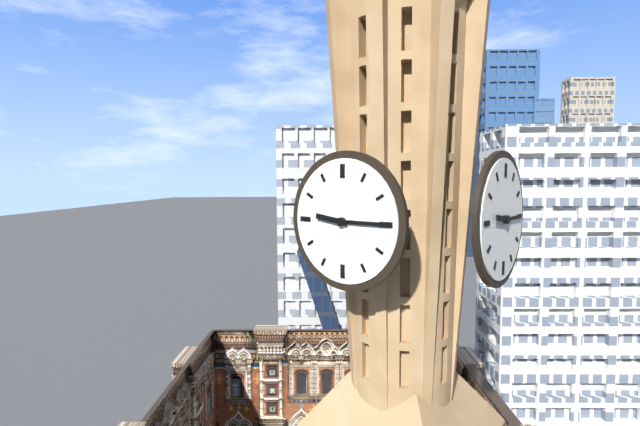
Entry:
h=9 m=15
